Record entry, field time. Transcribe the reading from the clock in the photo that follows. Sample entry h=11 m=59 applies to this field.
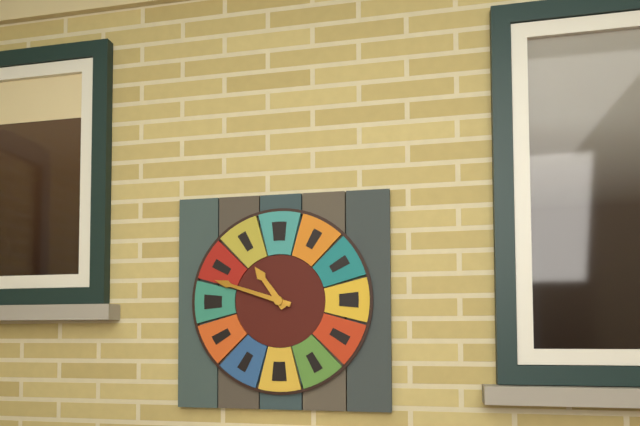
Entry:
h=10 m=48
